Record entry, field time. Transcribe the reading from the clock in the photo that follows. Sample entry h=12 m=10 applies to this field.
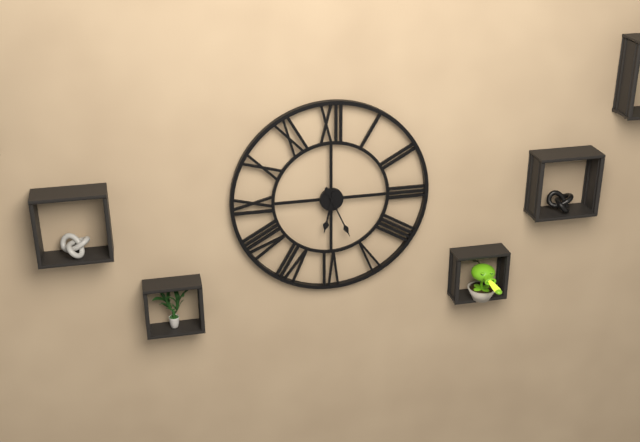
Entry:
h=6 m=26
